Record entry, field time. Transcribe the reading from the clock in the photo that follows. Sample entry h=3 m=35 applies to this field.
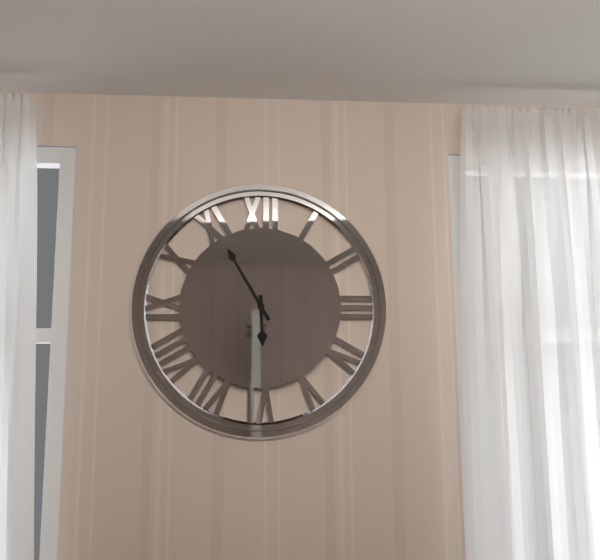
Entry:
h=5 m=55
